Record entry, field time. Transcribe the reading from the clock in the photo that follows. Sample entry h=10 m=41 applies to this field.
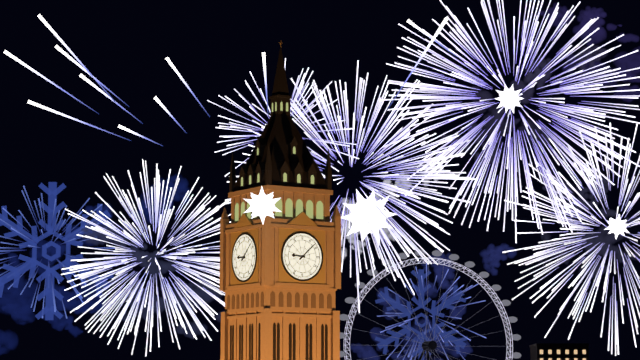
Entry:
h=9 m=8
